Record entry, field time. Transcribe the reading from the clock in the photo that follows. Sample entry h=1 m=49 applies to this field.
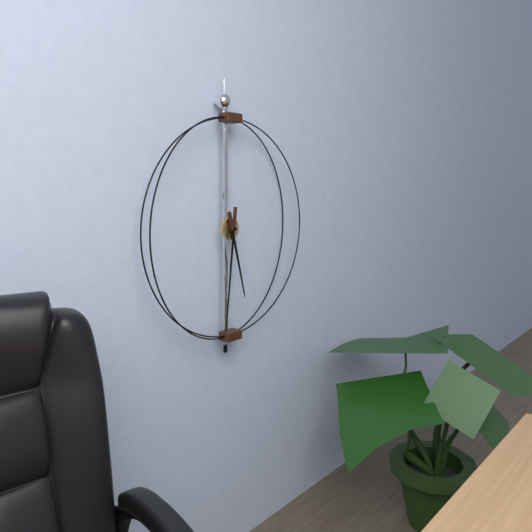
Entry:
h=5 m=31
